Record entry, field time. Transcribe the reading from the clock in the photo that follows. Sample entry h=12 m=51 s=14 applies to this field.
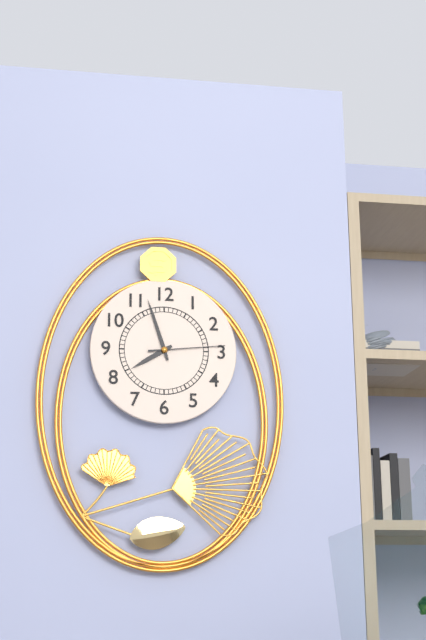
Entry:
h=7 m=57 s=14
